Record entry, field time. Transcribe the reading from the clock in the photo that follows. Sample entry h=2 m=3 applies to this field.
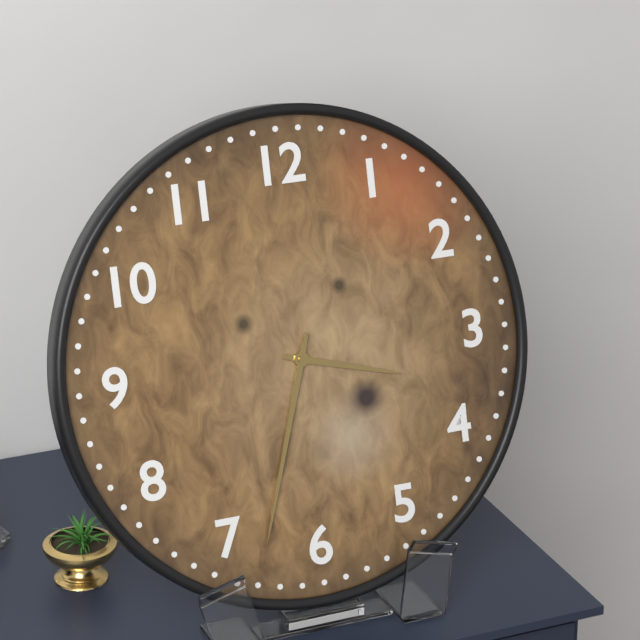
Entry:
h=3 m=33
